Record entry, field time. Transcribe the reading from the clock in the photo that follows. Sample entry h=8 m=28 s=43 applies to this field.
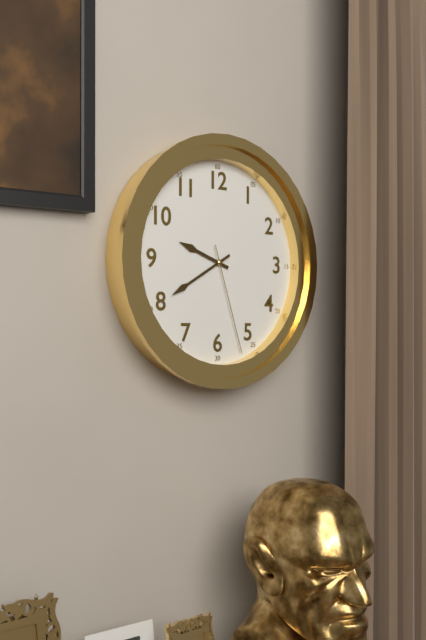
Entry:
h=9 m=40 s=27
